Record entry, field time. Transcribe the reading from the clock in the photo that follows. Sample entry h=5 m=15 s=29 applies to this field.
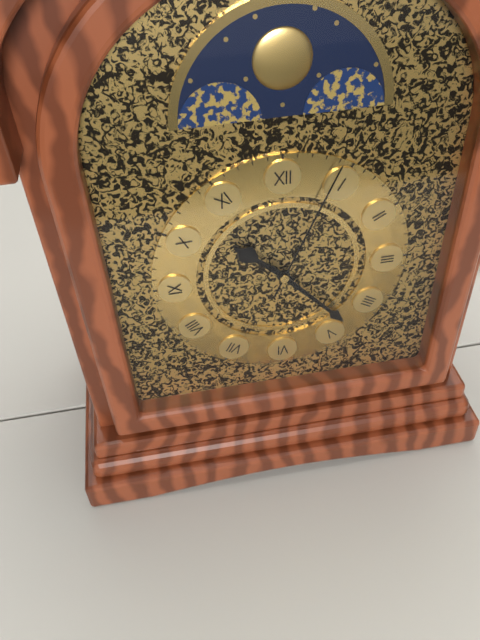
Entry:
h=10 m=23 s=4
